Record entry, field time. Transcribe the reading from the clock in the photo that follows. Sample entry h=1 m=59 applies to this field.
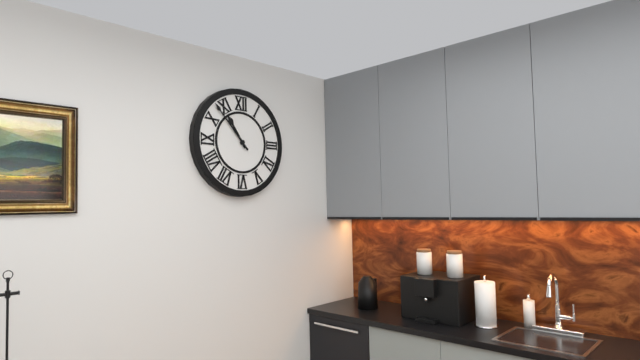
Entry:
h=10 m=53
